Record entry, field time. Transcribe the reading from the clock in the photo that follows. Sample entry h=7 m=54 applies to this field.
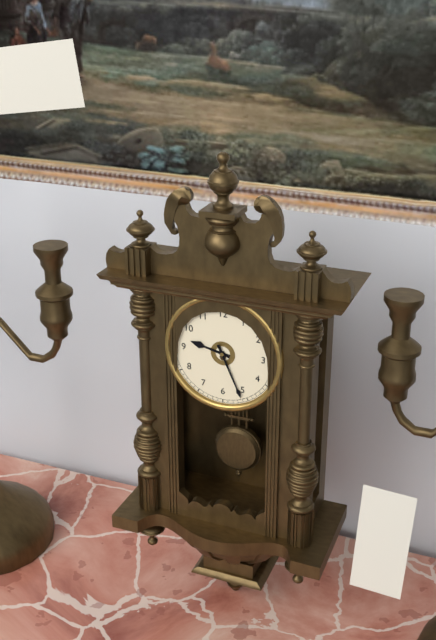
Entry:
h=9 m=26
